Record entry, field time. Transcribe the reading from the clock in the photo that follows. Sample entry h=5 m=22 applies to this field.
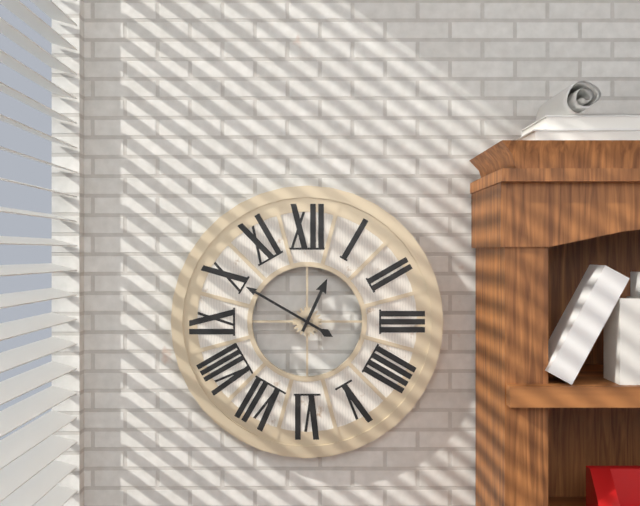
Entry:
h=12 m=50
